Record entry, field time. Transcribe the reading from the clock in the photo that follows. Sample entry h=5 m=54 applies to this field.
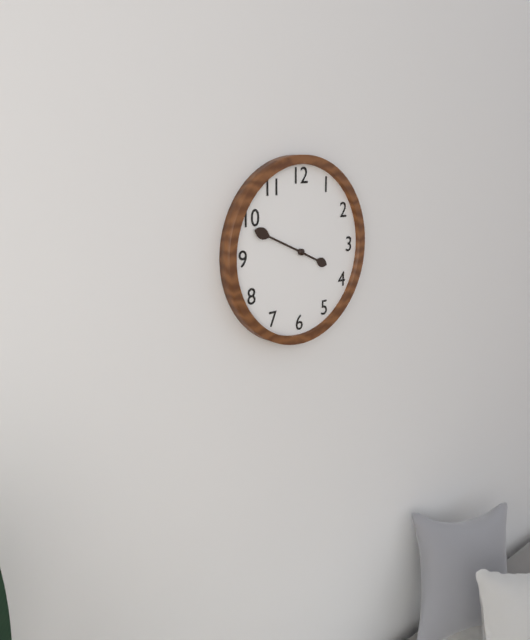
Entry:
h=3 m=49
